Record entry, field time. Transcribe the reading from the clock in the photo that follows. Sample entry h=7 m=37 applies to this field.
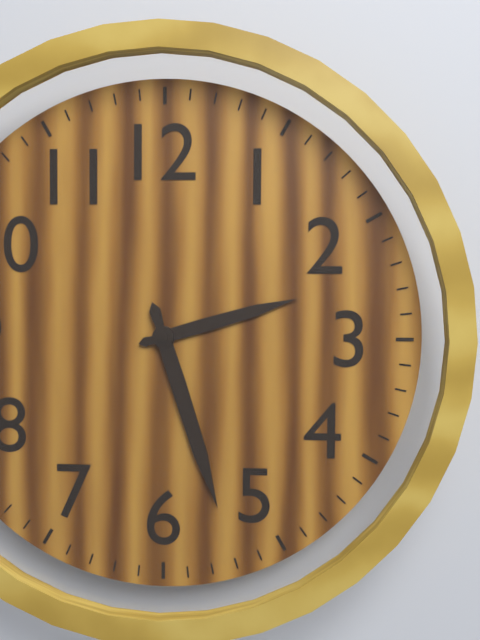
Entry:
h=2 m=27
